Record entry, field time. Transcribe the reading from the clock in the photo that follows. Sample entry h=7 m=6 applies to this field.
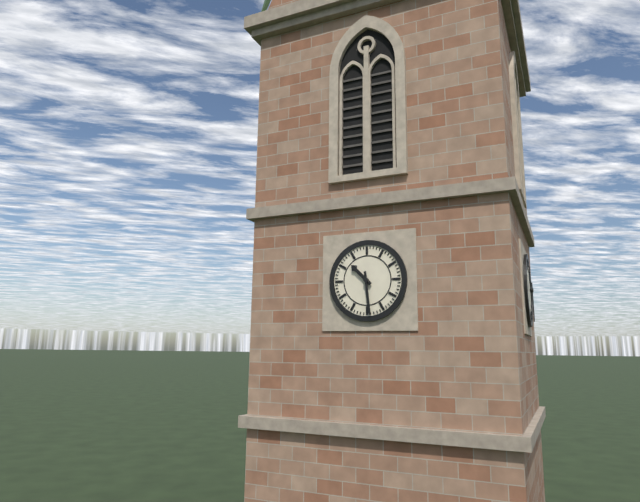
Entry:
h=10 m=29
